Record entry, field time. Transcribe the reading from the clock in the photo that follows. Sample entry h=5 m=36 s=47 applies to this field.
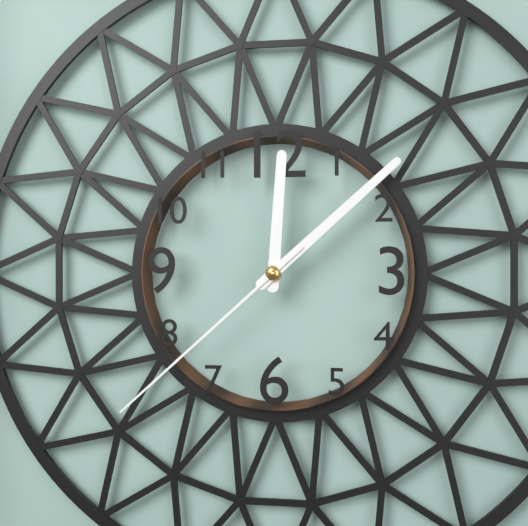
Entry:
h=12 m=8 s=38
